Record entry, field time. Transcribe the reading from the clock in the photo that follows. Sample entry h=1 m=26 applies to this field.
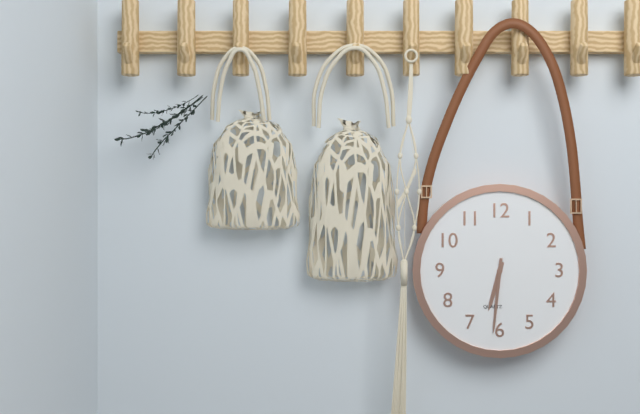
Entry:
h=6 m=31
